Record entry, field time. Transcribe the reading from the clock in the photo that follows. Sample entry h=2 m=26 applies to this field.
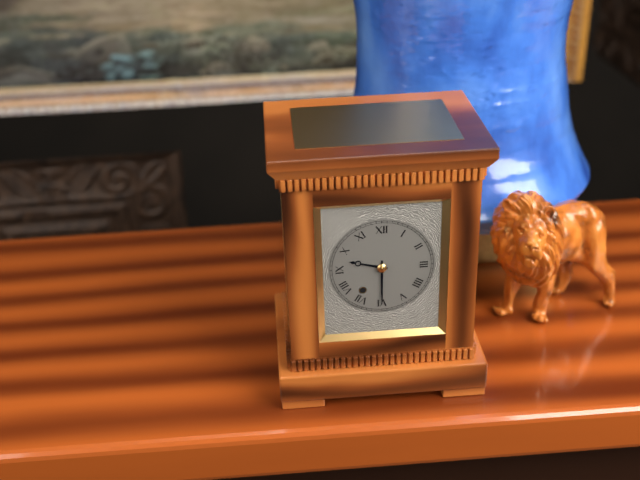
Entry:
h=9 m=30
